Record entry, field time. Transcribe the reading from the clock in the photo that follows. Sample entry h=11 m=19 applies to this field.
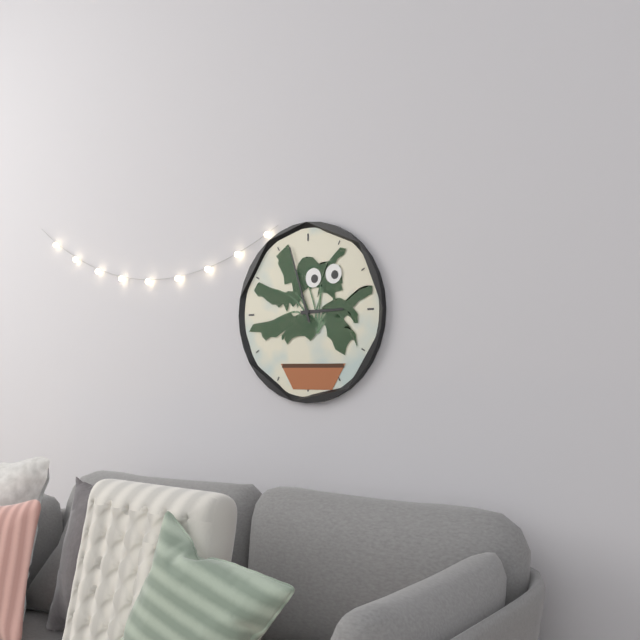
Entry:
h=2 m=57
